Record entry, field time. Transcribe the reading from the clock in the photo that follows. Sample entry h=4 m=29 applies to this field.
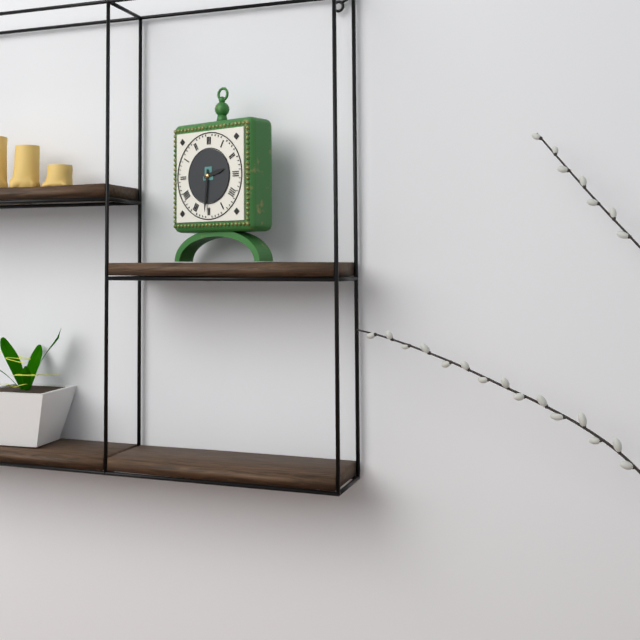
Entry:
h=2 m=31
